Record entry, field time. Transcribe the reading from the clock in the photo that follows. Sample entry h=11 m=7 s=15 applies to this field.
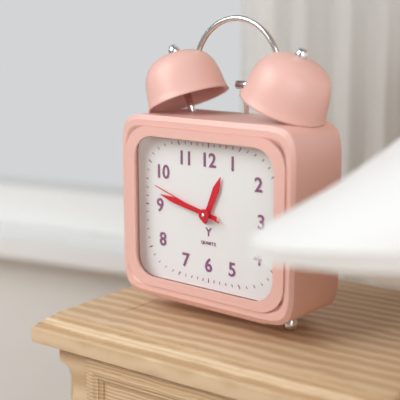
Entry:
h=12 m=47 s=48
